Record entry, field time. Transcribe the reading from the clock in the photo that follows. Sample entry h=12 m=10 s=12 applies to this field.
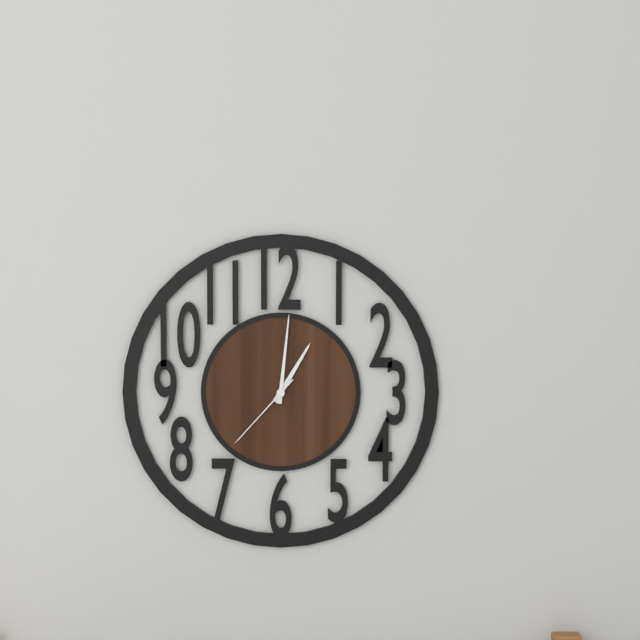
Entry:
h=1 m=1 s=37
